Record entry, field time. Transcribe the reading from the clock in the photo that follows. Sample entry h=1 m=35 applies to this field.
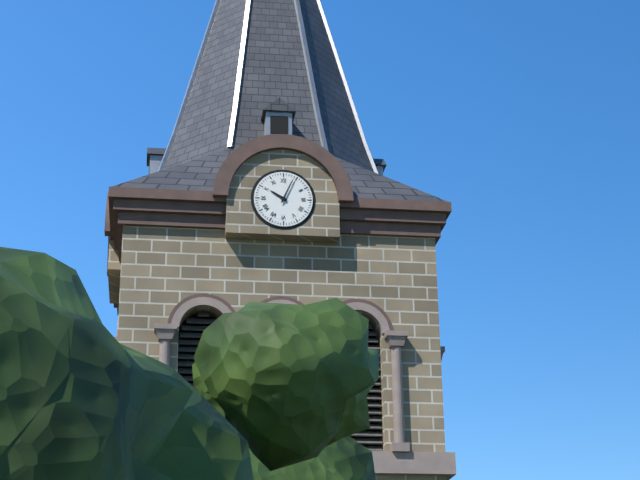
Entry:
h=10 m=4
